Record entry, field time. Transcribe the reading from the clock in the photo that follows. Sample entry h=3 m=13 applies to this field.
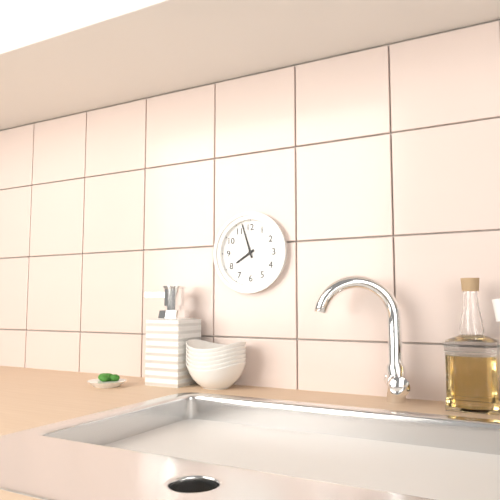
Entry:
h=7 m=57
